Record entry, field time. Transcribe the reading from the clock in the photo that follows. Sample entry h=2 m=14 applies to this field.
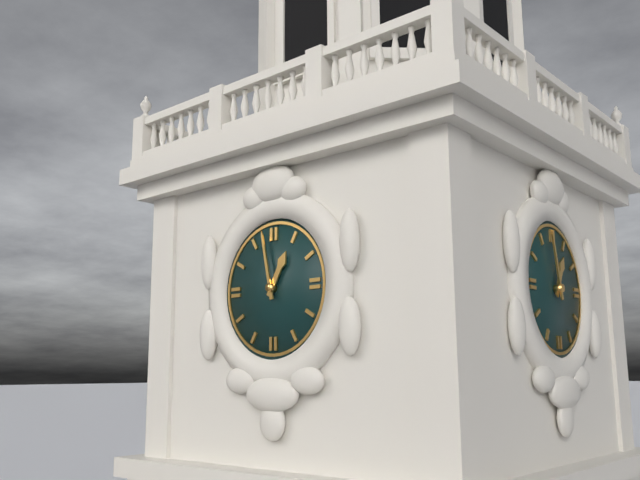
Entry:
h=12 m=58
